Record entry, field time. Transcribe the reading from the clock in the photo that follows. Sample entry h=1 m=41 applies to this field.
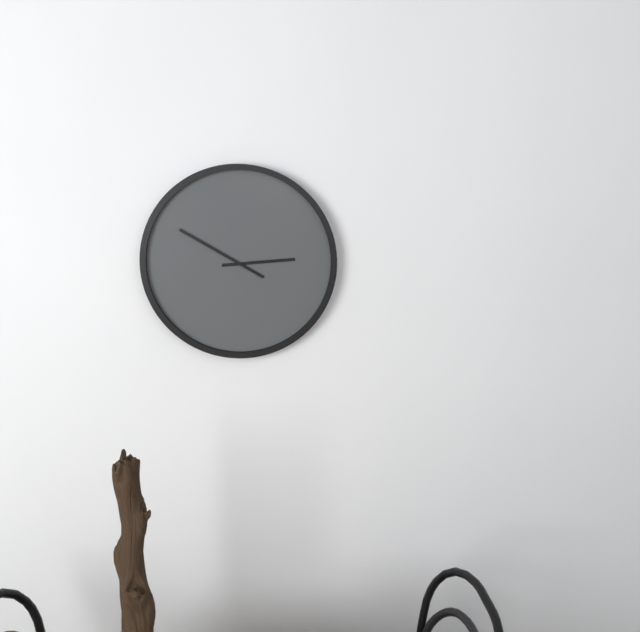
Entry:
h=2 m=50
